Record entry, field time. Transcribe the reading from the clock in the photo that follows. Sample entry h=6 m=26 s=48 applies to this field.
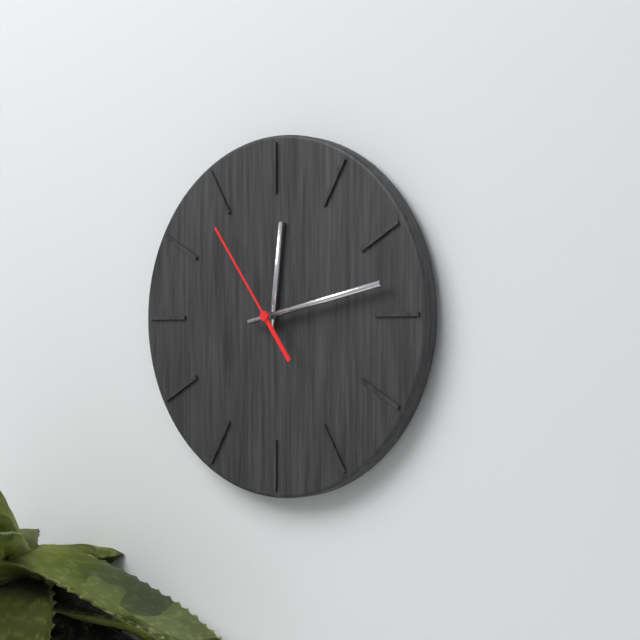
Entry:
h=12 m=13 s=54
